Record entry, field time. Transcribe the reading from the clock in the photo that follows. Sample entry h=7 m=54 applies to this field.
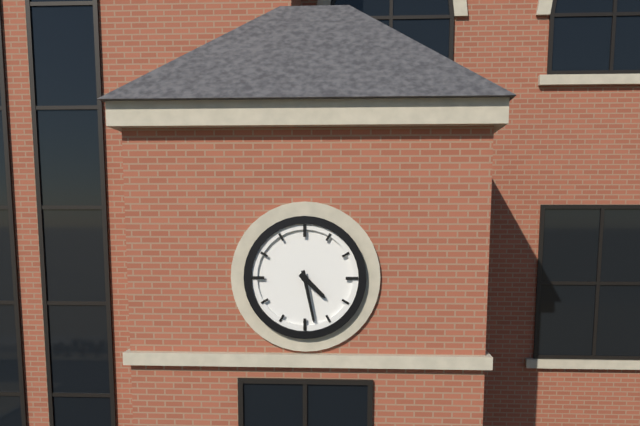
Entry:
h=4 m=28
